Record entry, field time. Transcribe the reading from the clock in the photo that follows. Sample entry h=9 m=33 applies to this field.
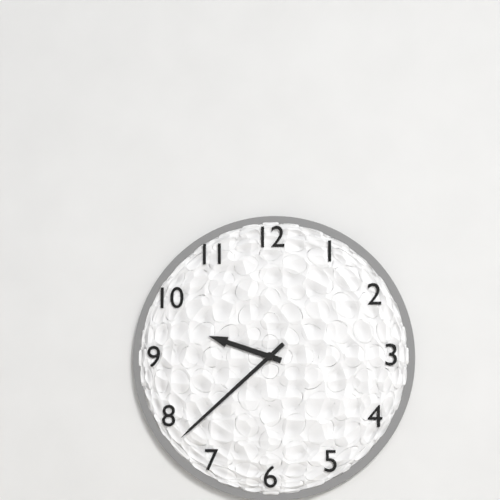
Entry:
h=9 m=38
